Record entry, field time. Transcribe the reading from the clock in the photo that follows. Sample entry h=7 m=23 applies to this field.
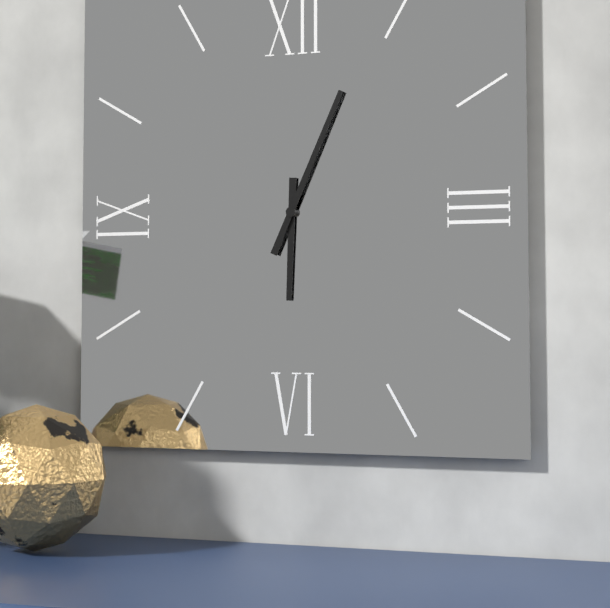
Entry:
h=6 m=4
